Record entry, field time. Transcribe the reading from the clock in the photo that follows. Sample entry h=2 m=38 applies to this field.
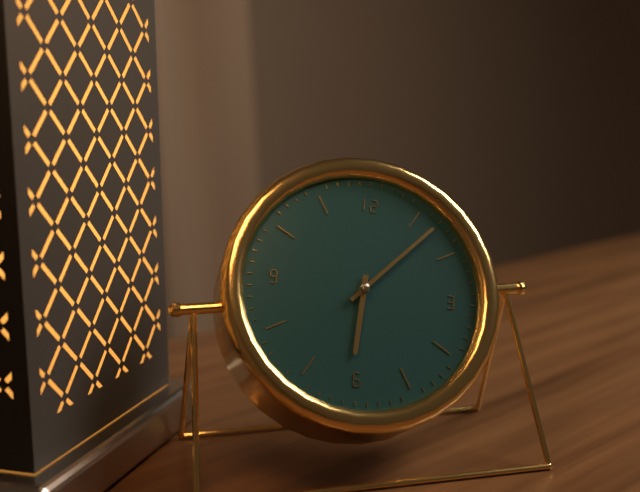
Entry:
h=6 m=7
